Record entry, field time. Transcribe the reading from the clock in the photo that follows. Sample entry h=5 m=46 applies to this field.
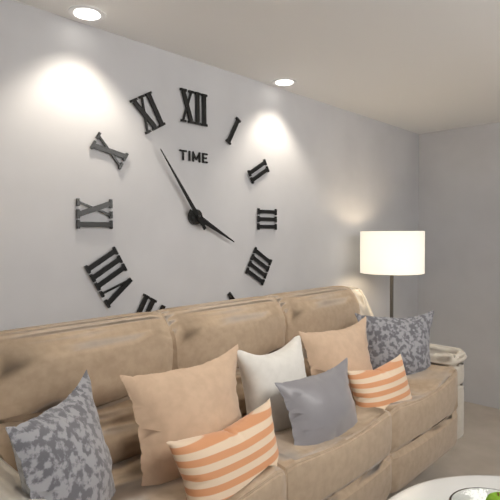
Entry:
h=3 m=54
